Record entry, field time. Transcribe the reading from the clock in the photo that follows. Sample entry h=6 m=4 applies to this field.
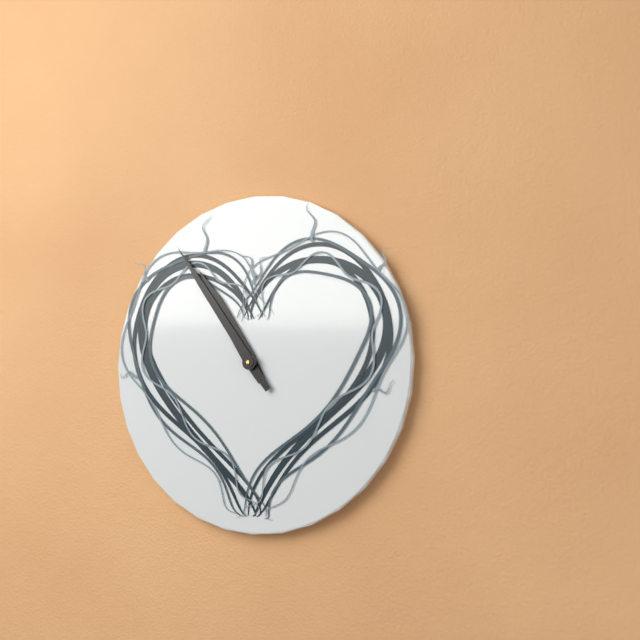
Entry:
h=10 m=54
